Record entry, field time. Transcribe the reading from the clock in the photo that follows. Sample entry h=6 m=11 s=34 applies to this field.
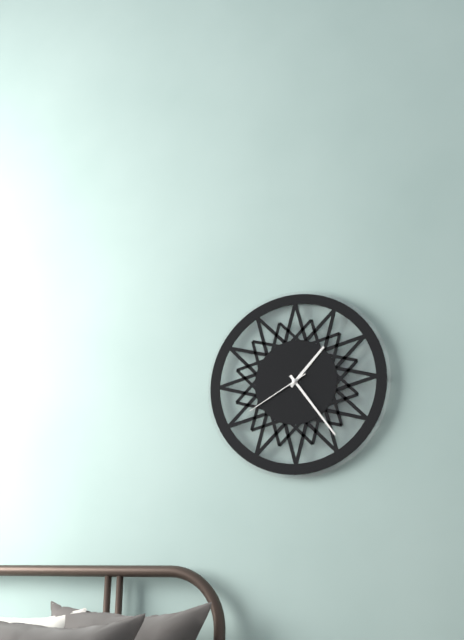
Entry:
h=1 m=24 s=40
